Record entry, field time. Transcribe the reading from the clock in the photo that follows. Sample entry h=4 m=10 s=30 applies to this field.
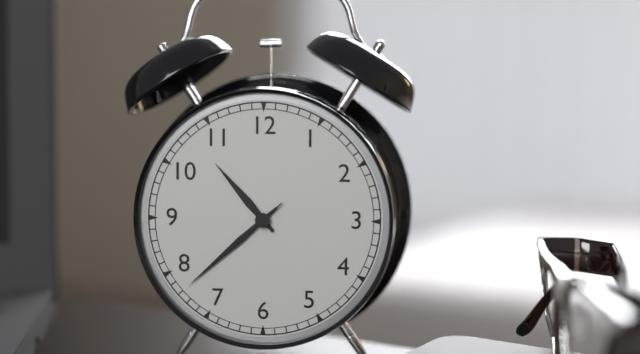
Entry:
h=10 m=38 s=38
